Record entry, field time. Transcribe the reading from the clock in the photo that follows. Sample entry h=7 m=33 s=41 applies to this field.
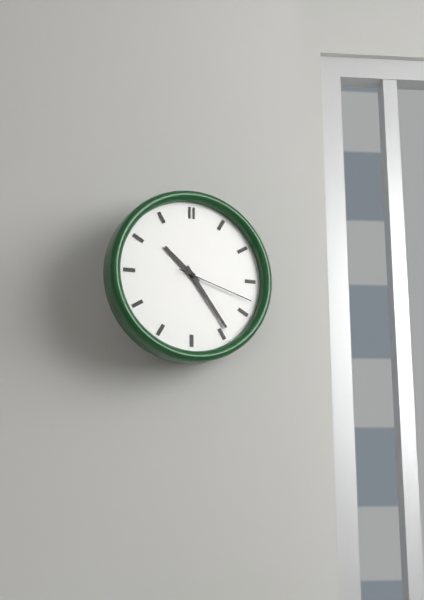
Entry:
h=10 m=24 s=18
